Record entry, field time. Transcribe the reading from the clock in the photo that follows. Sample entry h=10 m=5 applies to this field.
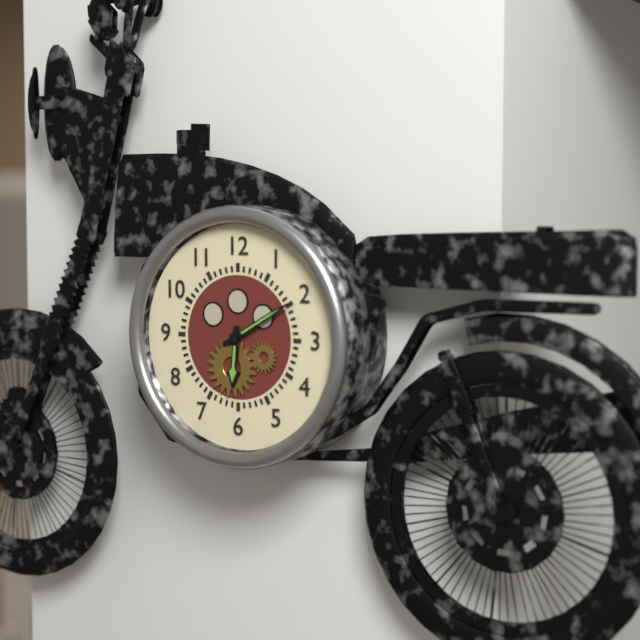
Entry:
h=6 m=10
